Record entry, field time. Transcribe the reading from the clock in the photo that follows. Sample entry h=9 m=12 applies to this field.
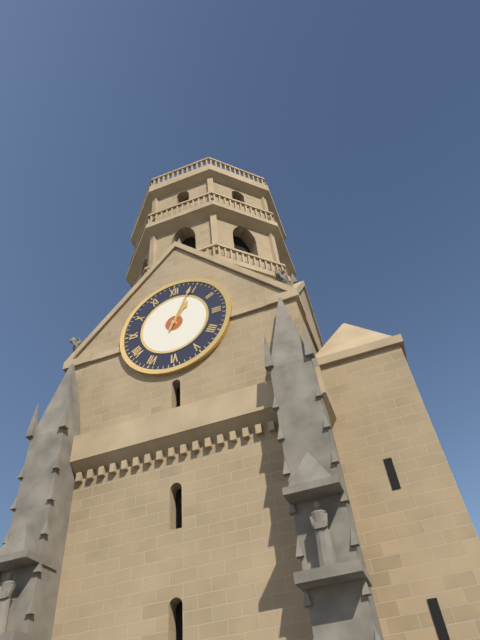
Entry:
h=1 m=4
